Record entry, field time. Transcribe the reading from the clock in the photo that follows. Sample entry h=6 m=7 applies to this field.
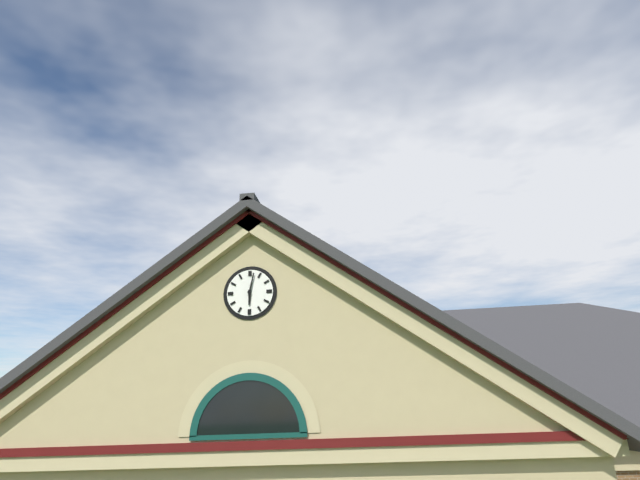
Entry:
h=6 m=2
